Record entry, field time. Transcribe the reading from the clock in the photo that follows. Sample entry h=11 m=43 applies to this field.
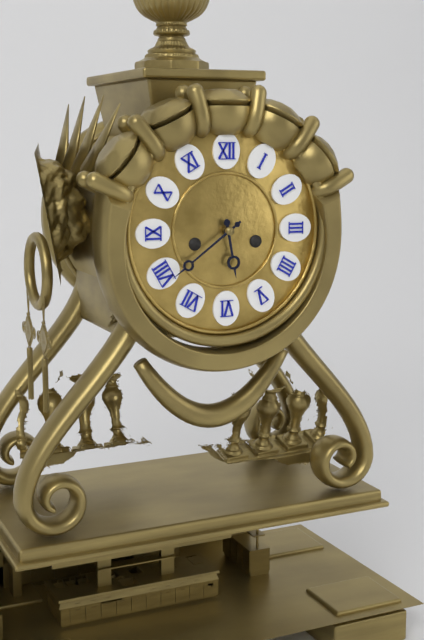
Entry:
h=5 m=39
